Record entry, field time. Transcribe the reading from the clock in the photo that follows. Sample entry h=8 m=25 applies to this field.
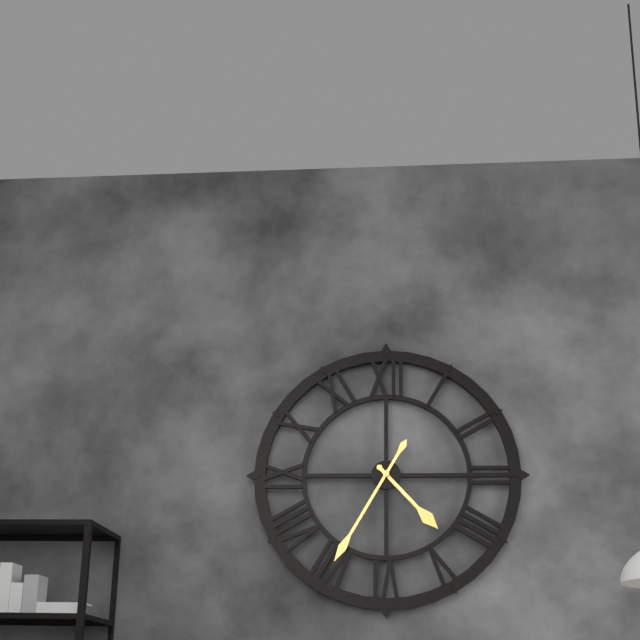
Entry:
h=4 m=35
